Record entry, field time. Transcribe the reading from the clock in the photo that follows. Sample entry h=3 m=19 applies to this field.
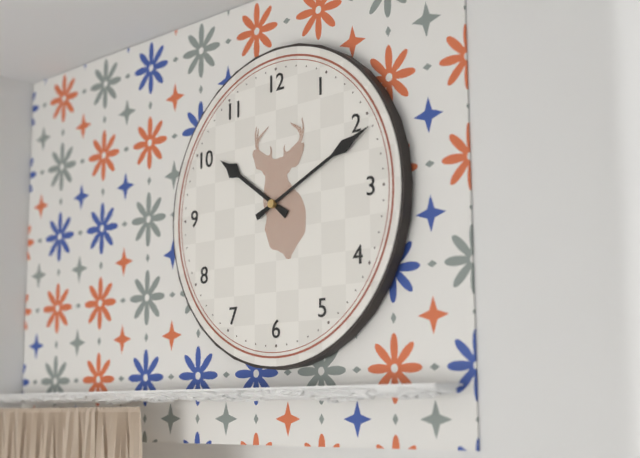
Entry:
h=10 m=11
